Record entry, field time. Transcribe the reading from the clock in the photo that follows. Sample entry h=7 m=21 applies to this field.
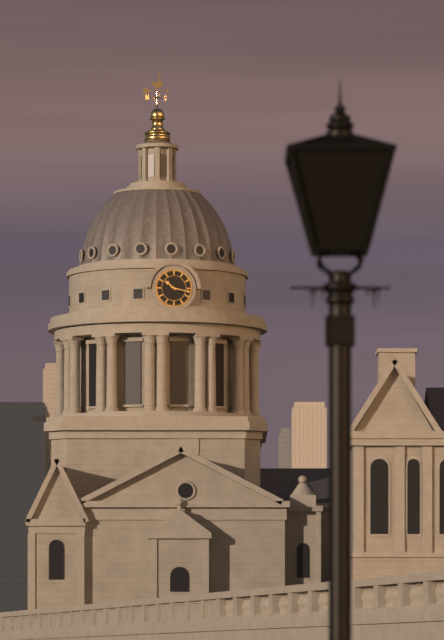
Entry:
h=10 m=17
